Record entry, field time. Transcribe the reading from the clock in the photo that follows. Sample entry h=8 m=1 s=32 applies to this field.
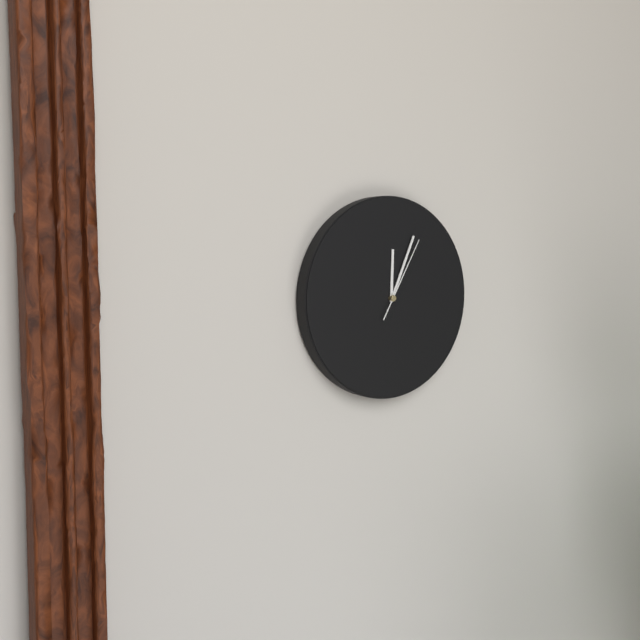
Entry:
h=12 m=4 s=5
